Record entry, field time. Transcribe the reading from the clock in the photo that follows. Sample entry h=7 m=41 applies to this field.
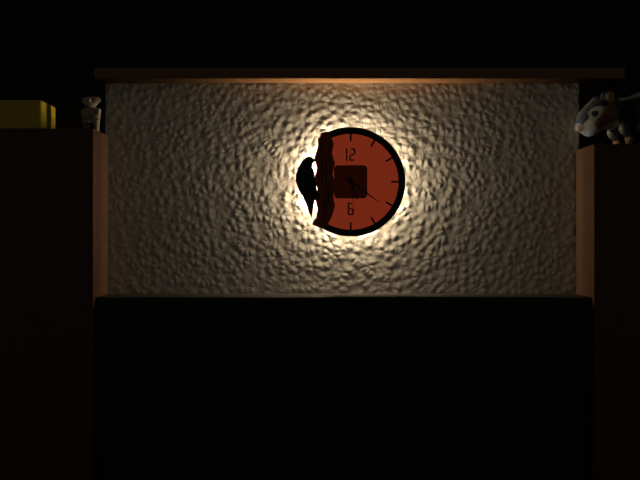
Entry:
h=5 m=21
